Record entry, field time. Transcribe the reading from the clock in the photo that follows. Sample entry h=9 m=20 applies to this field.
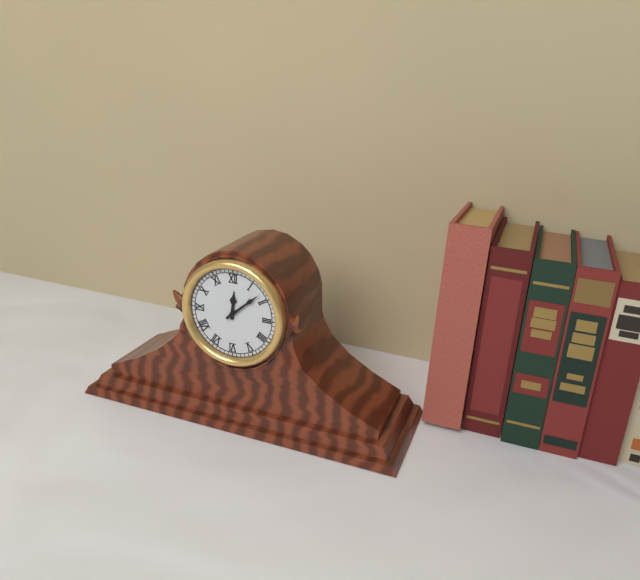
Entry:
h=12 m=8
